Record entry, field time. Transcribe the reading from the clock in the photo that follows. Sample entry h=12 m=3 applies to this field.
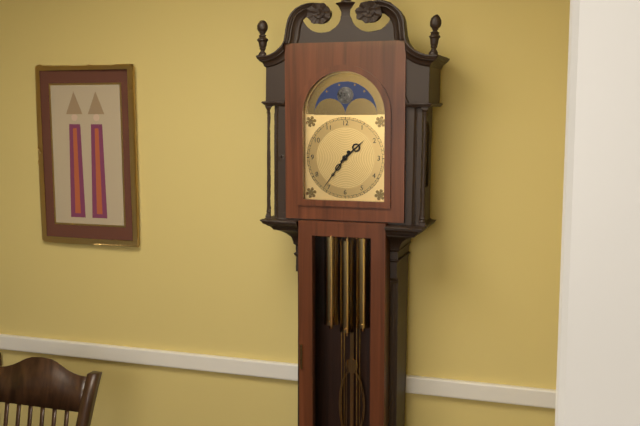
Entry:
h=1 m=36
